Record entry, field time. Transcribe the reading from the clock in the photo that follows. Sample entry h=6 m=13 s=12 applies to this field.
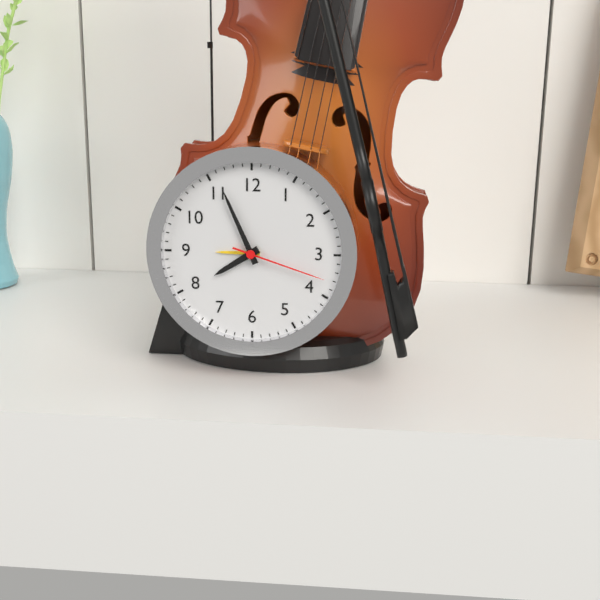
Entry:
h=7 m=56 s=18
